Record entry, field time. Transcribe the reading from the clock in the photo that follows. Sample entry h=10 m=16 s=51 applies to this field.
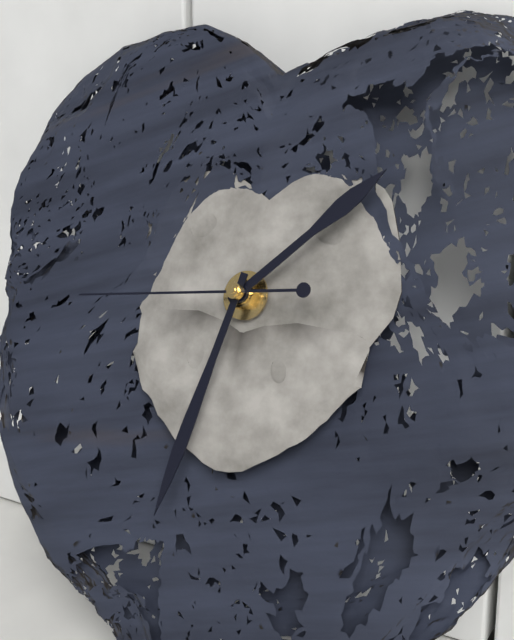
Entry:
h=1 m=32 s=44
